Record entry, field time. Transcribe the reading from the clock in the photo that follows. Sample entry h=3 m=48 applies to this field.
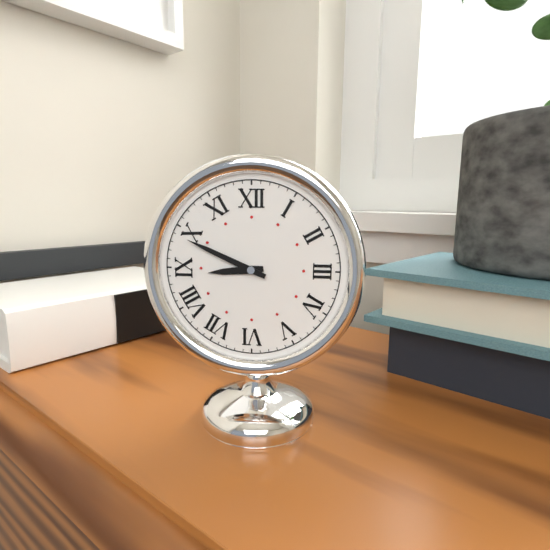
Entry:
h=8 m=49
